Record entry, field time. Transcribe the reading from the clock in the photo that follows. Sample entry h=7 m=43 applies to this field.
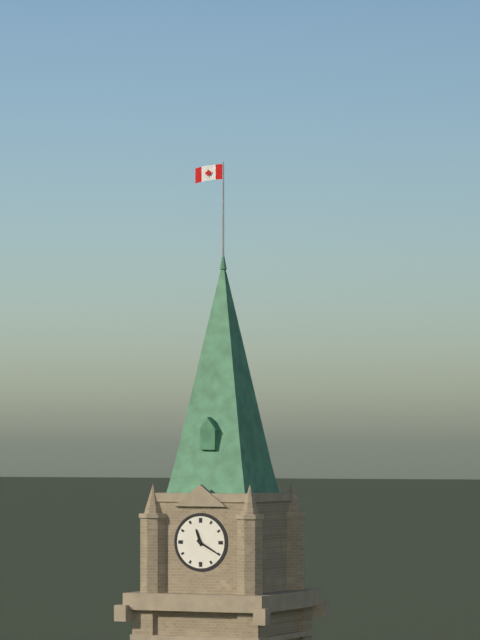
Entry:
h=11 m=20
